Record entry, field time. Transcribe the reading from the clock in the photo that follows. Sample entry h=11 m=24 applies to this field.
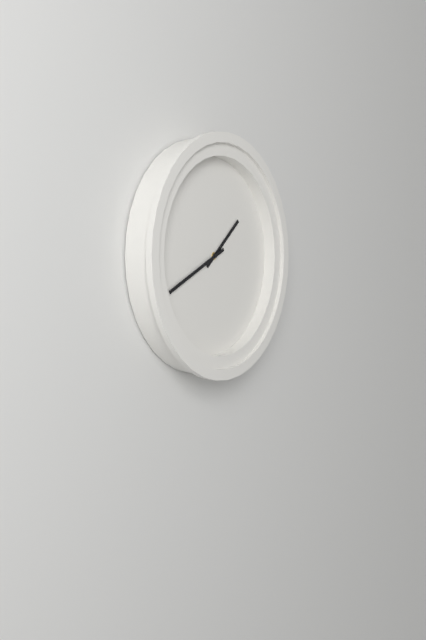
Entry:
h=1 m=41
